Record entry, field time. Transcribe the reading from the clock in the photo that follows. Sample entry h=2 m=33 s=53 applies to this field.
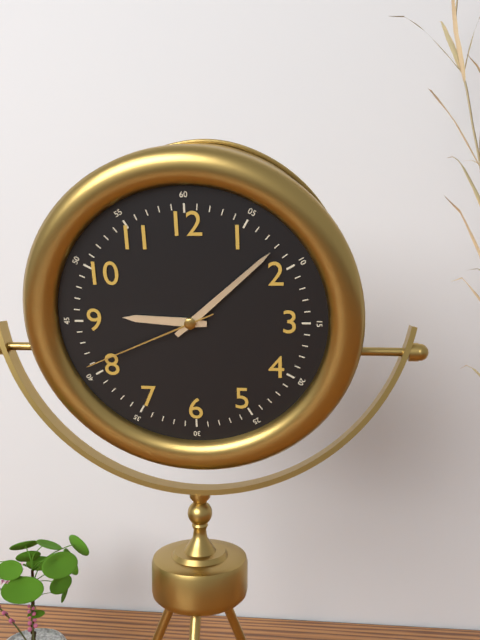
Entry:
h=9 m=8 s=41
